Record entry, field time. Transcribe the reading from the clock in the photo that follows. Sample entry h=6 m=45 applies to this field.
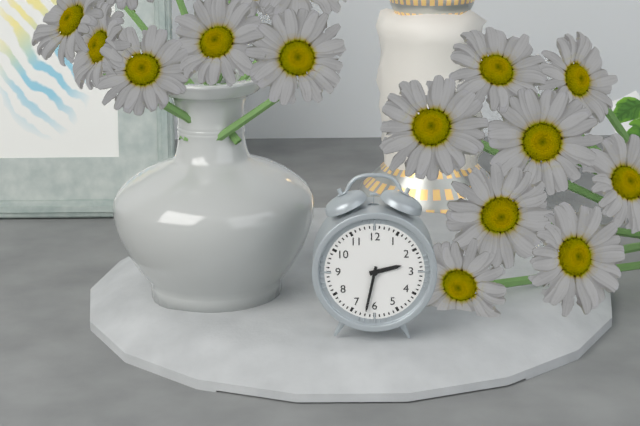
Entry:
h=2 m=32
